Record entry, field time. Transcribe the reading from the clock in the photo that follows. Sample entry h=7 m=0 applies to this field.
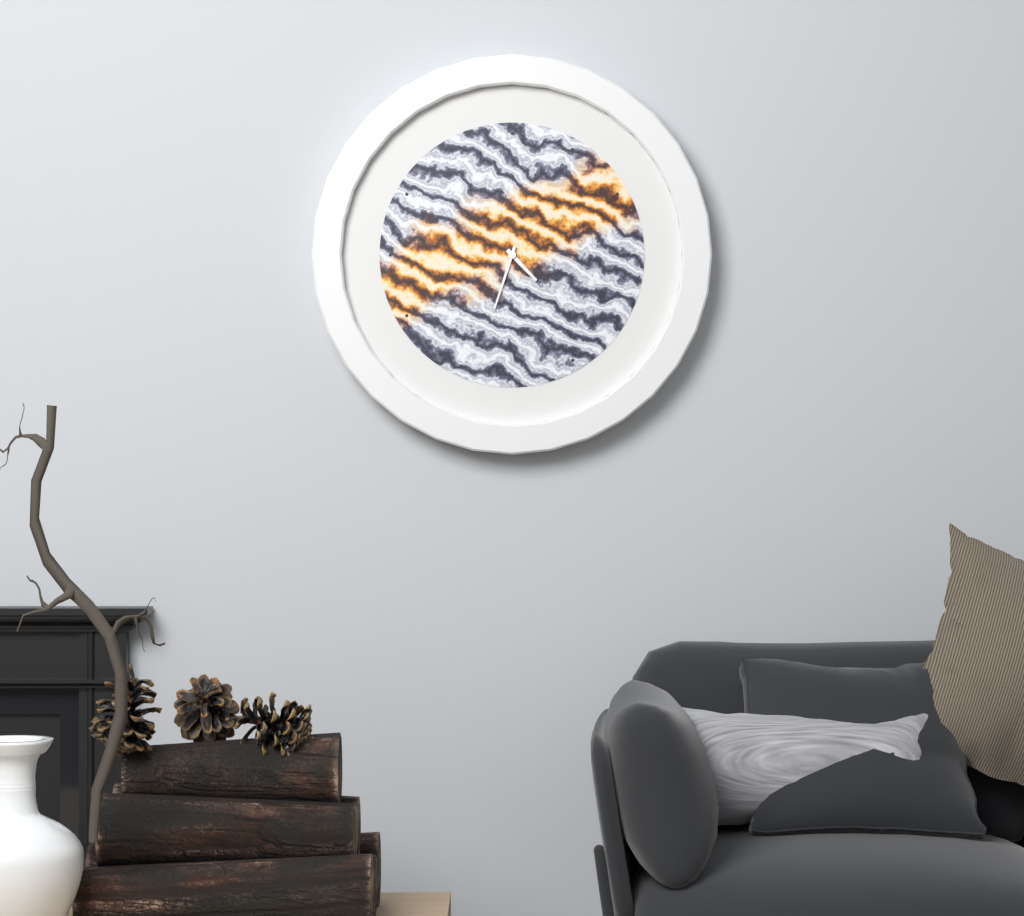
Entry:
h=4 m=33
